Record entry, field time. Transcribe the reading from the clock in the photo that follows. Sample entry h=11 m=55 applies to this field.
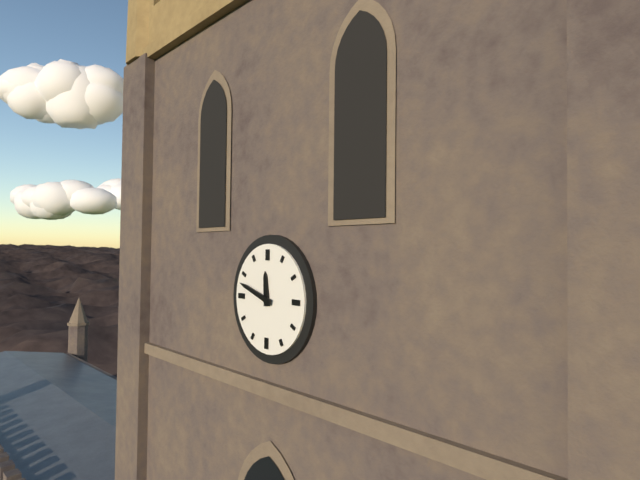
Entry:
h=11 m=48
